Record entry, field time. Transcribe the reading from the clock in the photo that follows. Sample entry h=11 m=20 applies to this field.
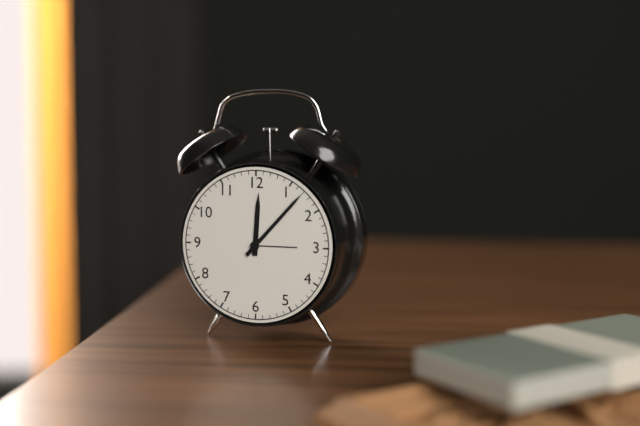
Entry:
h=12 m=7
